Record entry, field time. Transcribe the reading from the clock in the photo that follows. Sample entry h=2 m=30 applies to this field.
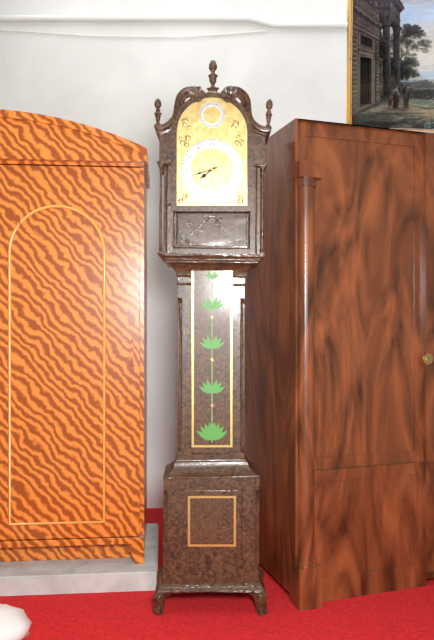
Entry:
h=7 m=42
